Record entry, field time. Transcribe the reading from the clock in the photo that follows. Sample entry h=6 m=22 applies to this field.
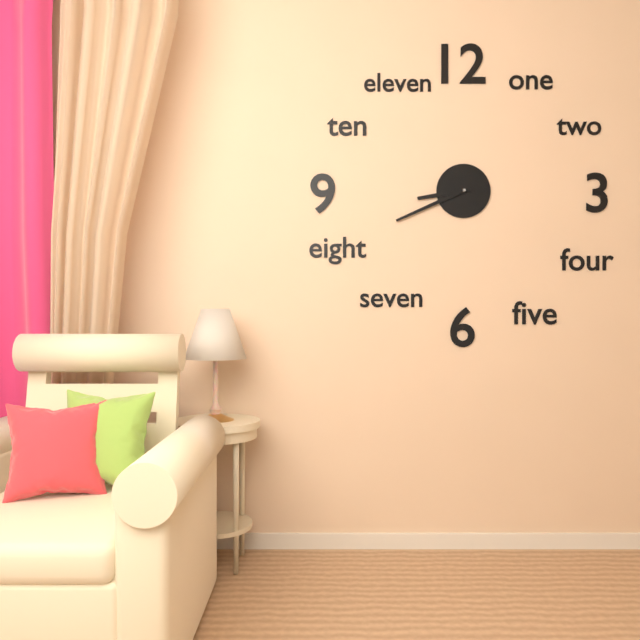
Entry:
h=8 m=41
